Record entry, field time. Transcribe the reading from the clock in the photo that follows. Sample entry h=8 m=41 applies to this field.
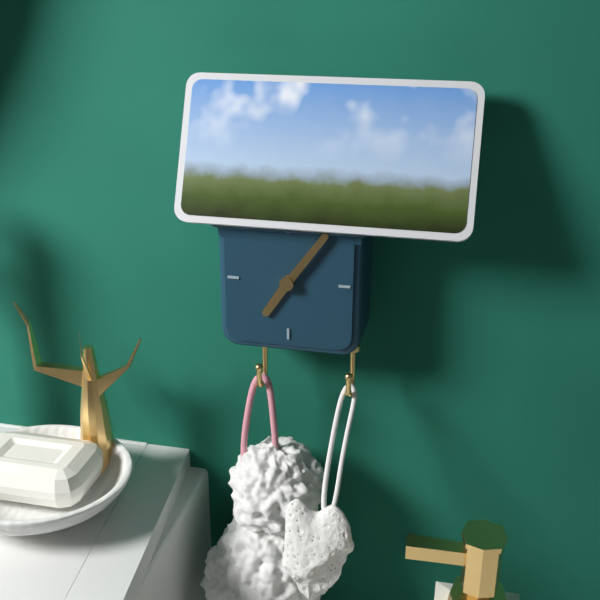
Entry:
h=7 m=6
